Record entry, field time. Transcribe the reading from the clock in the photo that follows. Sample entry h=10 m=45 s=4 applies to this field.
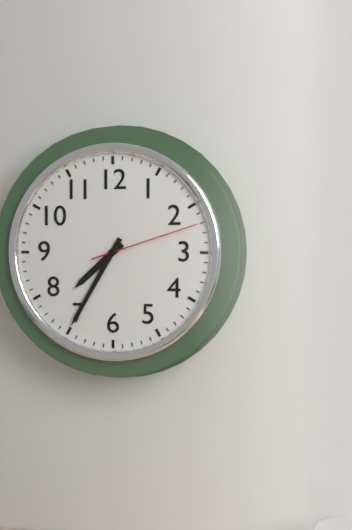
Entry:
h=7 m=35 s=12
